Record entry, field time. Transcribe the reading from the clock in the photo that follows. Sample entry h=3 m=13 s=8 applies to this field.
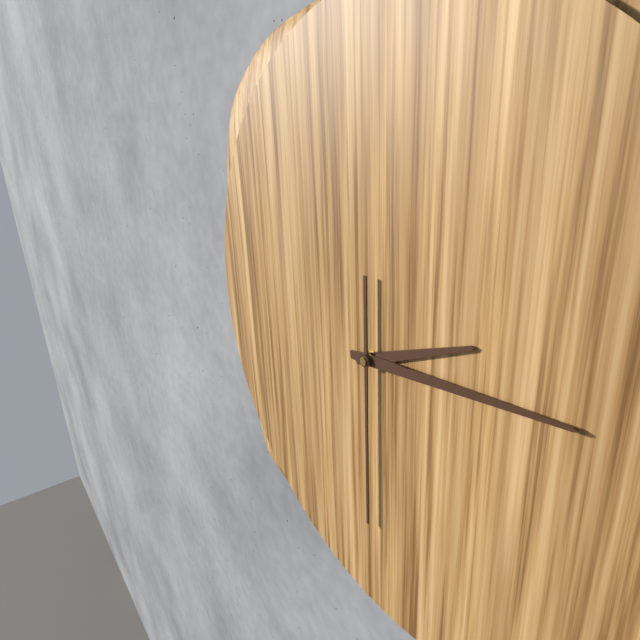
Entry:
h=2 m=14 s=30
